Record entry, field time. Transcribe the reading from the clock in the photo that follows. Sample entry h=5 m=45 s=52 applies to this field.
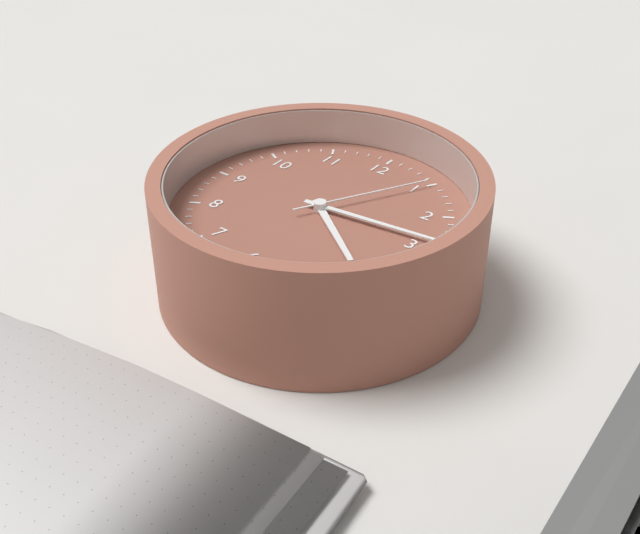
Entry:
h=4 m=14 s=5
